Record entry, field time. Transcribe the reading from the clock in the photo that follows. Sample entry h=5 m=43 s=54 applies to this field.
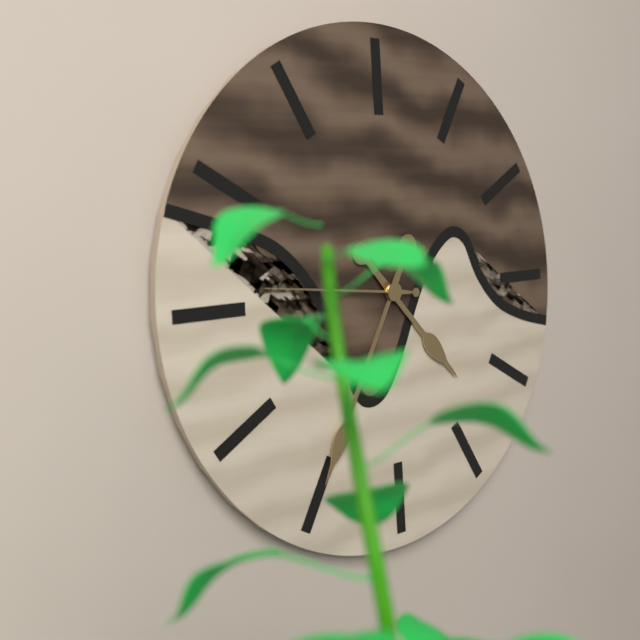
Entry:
h=4 m=35 s=46
